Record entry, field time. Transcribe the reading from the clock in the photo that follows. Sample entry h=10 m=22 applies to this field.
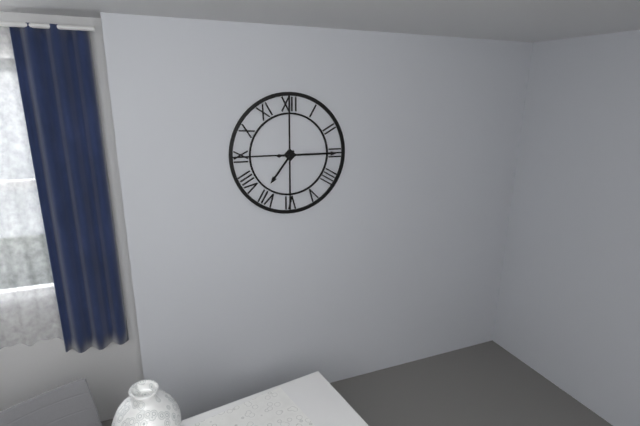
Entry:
h=7 m=15
